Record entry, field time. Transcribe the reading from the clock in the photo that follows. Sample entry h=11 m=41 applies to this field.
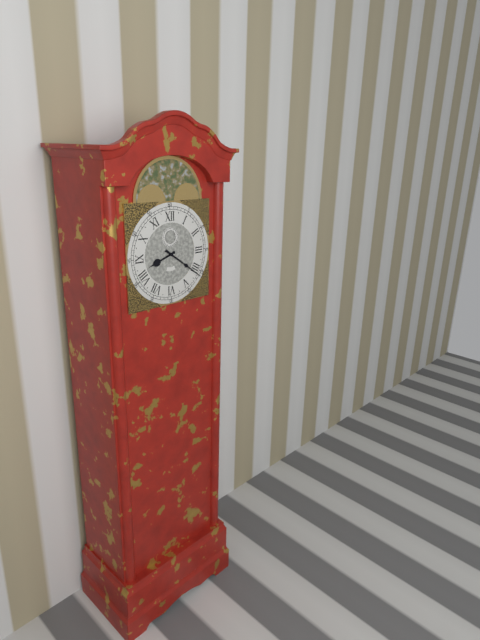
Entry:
h=8 m=21
